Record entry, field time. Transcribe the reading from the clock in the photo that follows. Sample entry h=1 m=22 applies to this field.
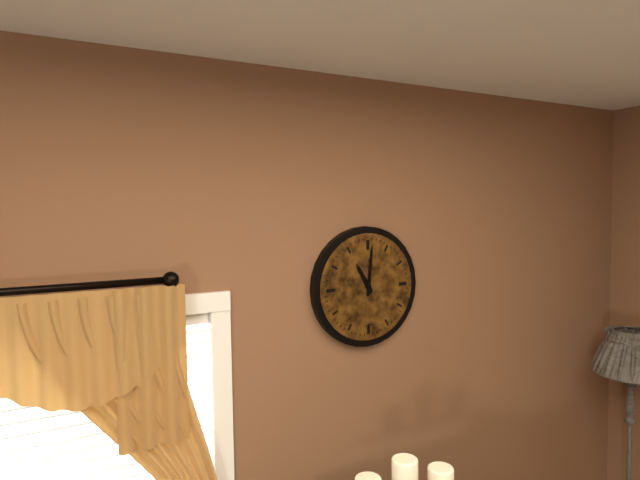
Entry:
h=11 m=1
